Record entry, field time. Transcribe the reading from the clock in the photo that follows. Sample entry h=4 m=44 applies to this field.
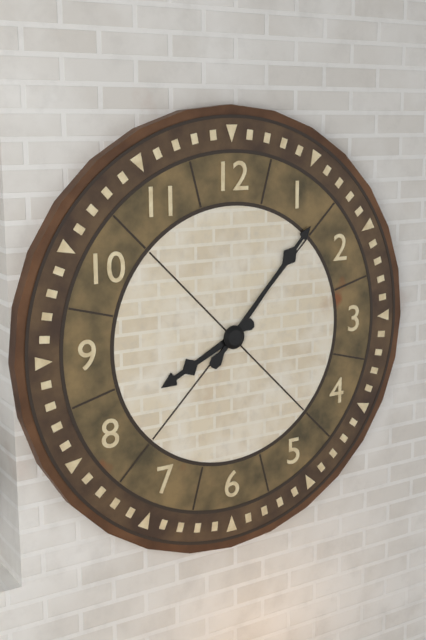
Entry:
h=8 m=7
